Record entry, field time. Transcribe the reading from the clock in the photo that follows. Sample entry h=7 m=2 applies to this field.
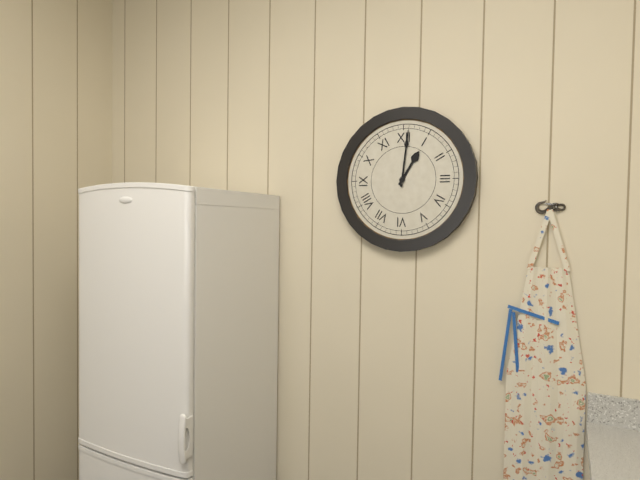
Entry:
h=1 m=1
